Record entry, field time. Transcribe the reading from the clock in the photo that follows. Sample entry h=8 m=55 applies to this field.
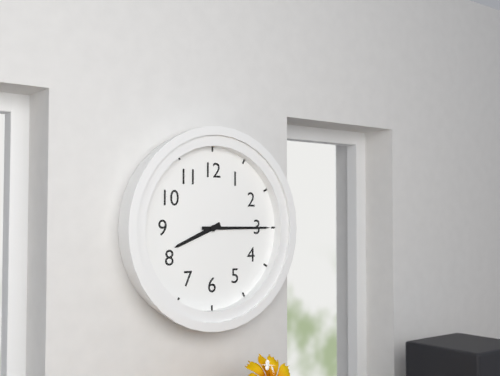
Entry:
h=8 m=15
